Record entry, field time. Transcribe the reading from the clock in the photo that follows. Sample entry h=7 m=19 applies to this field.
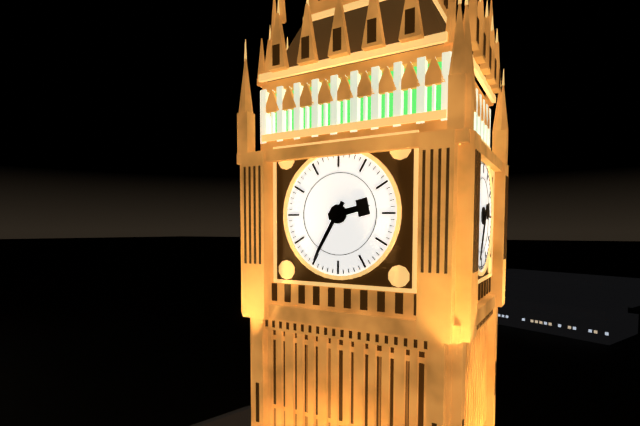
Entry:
h=2 m=35
